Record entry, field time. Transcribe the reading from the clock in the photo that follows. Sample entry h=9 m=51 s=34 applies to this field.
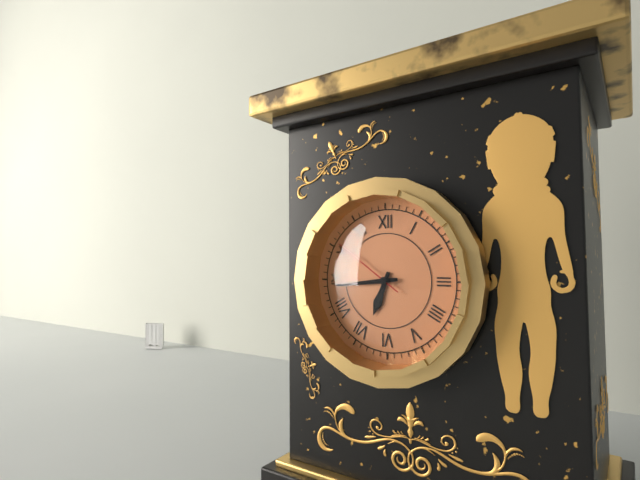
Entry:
h=6 m=44 s=51
